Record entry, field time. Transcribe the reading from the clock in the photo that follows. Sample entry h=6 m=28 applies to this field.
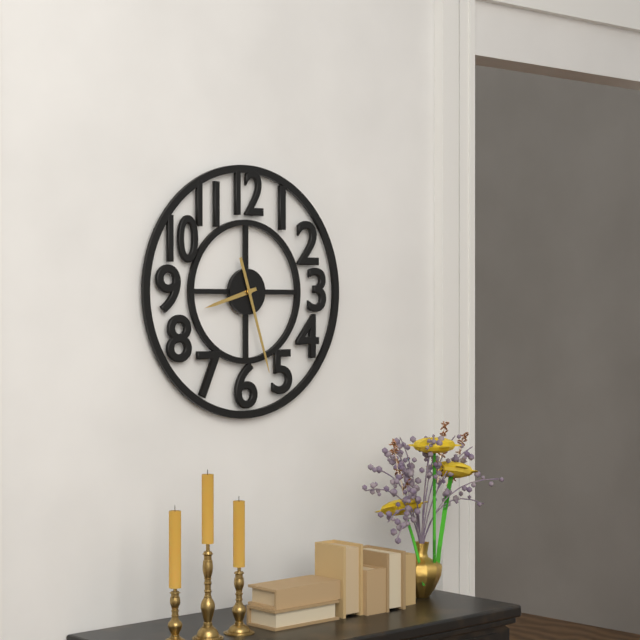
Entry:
h=8 m=27
